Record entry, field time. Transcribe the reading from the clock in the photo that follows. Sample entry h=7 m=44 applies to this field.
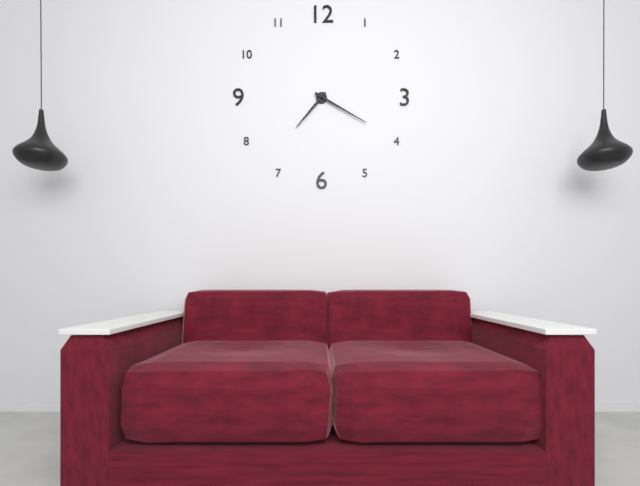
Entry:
h=7 m=20
